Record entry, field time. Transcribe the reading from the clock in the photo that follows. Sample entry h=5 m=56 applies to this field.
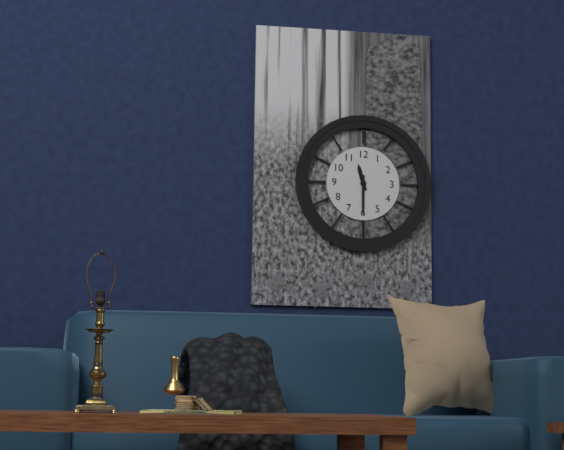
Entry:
h=11 m=30
